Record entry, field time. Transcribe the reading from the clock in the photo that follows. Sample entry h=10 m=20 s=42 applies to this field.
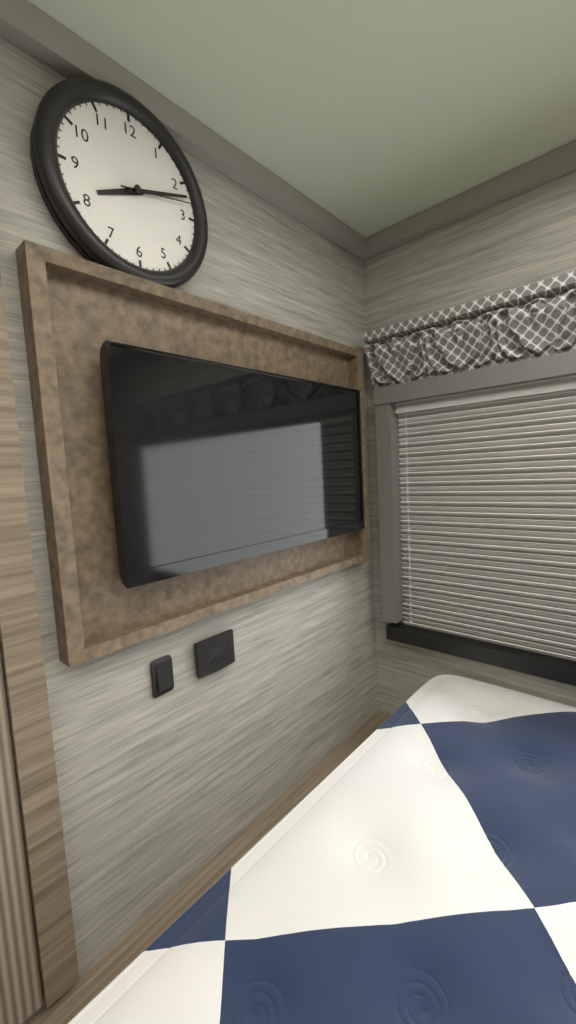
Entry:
h=8 m=12 s=13
